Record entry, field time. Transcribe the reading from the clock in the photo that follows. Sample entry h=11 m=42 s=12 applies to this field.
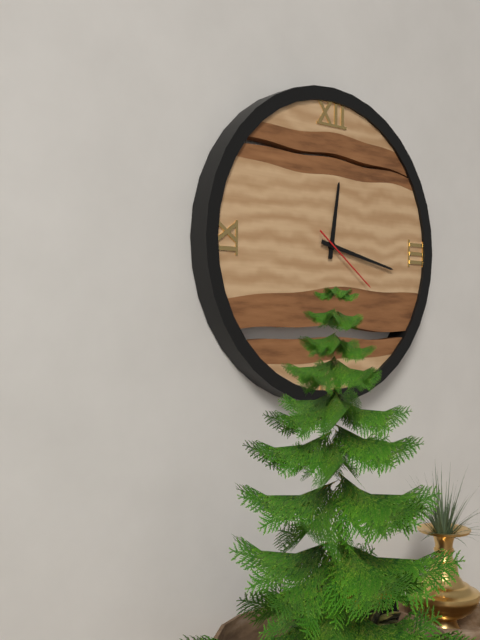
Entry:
h=12 m=17 s=21
